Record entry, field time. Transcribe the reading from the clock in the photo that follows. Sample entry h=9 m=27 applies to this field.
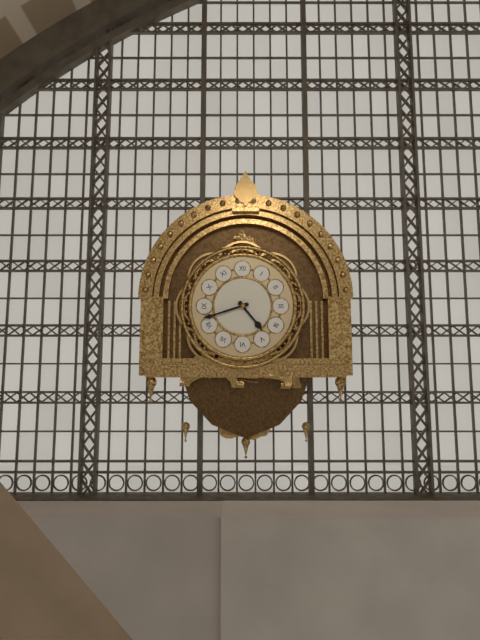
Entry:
h=4 m=42
